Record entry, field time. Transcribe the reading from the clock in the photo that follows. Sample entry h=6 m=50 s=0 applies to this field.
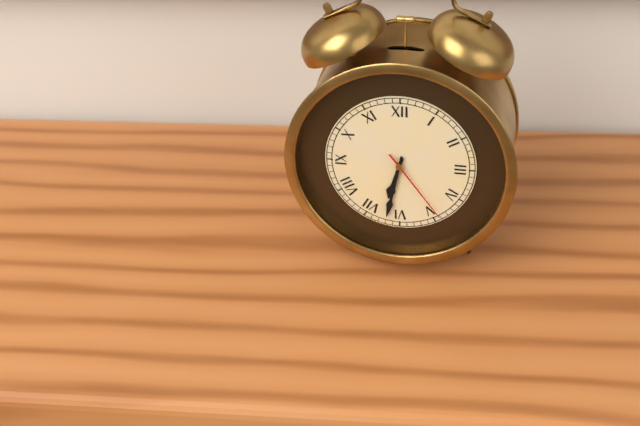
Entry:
h=6 m=32 s=24
